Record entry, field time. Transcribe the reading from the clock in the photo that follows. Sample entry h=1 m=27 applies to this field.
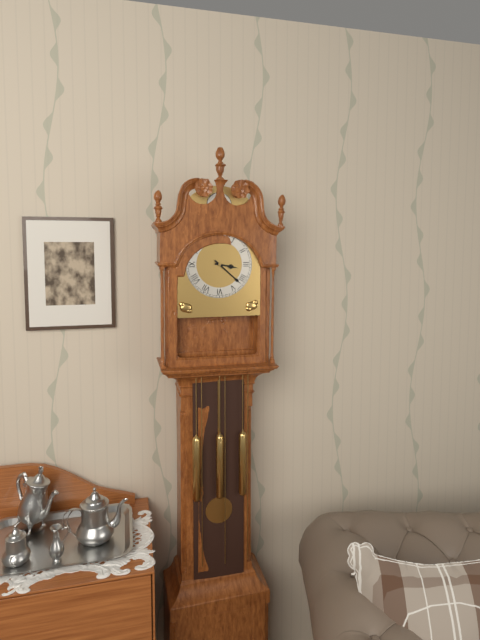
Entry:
h=3 m=22
